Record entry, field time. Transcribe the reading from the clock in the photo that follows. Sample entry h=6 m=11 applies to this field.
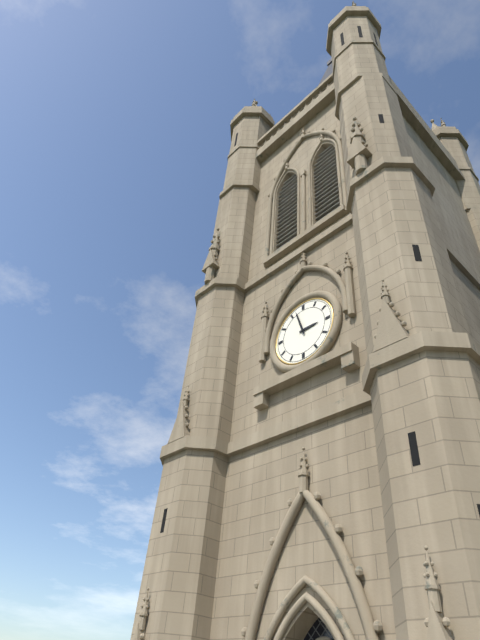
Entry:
h=2 m=57
